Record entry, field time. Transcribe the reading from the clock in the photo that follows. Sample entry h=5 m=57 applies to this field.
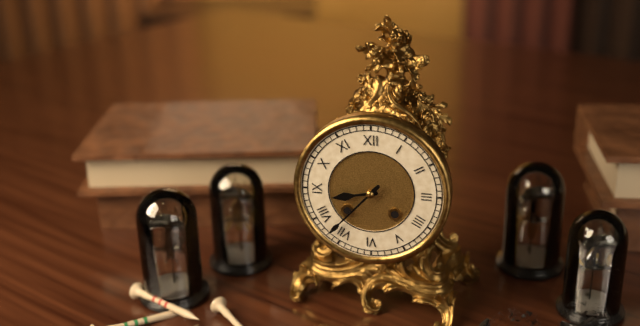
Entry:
h=8 m=37
